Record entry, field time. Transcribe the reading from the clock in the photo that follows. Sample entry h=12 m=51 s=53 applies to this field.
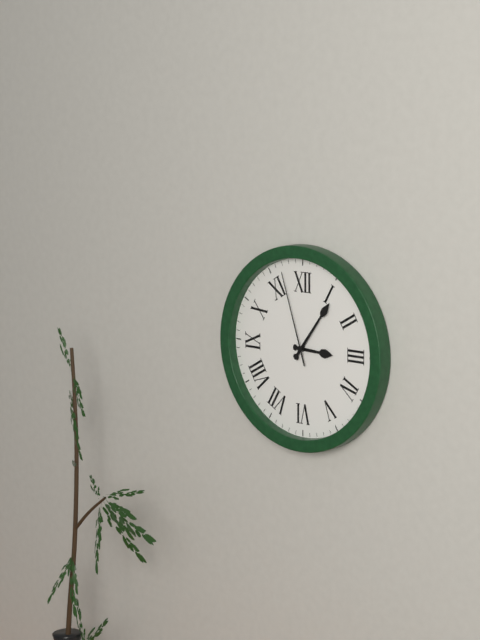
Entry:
h=3 m=6 s=57
